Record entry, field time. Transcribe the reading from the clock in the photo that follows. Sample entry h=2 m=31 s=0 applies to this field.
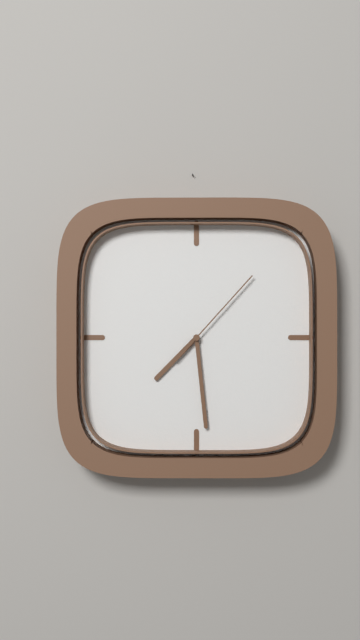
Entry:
h=7 m=29 s=7
